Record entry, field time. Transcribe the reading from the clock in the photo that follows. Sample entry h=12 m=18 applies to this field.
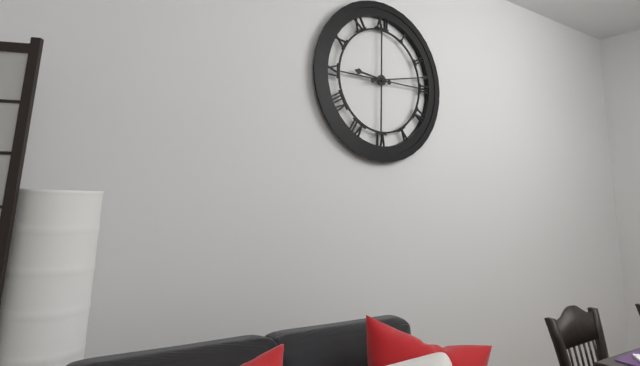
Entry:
h=9 m=13
